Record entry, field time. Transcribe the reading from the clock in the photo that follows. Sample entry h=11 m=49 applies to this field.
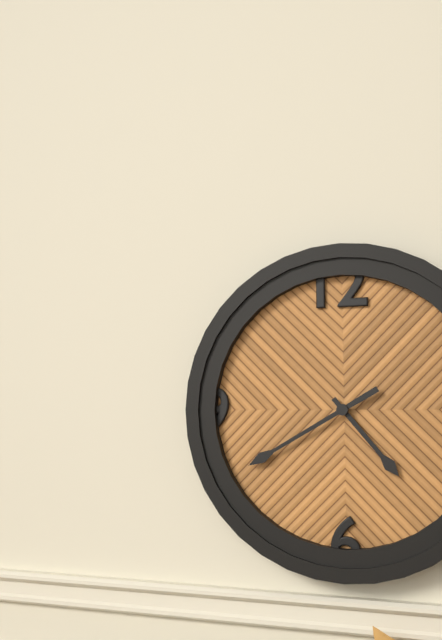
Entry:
h=4 m=40
